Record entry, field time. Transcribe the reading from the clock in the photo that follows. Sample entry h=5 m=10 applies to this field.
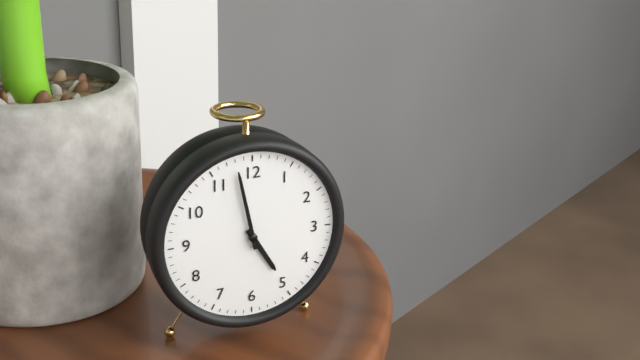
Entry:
h=4 m=58
